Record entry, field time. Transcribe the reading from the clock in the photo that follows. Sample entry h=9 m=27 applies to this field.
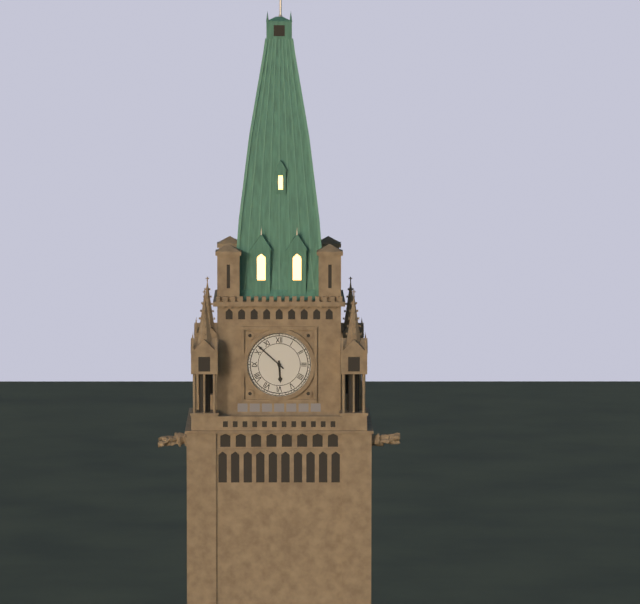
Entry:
h=5 m=52
